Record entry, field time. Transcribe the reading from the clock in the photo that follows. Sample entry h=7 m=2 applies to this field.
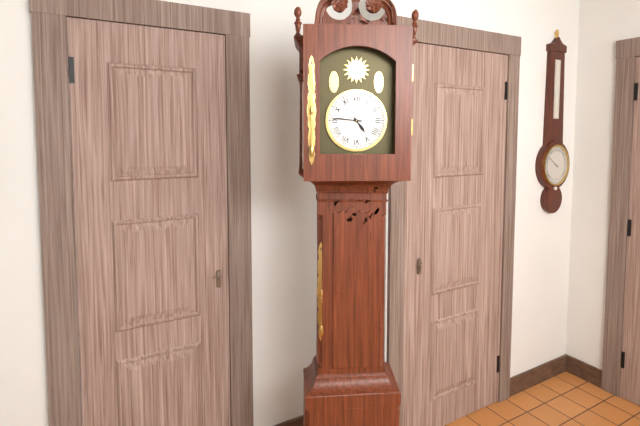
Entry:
h=4 m=46
